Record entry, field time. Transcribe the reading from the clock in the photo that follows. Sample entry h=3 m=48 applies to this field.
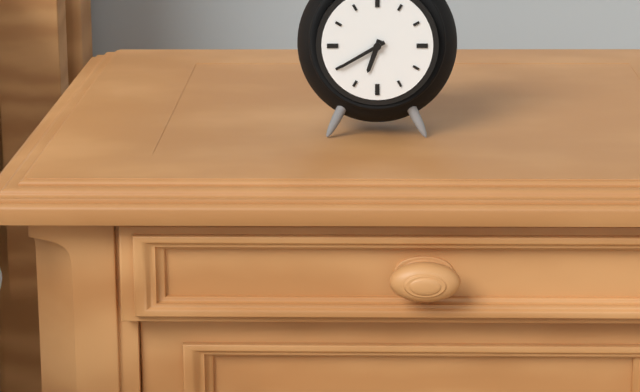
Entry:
h=6 m=40
